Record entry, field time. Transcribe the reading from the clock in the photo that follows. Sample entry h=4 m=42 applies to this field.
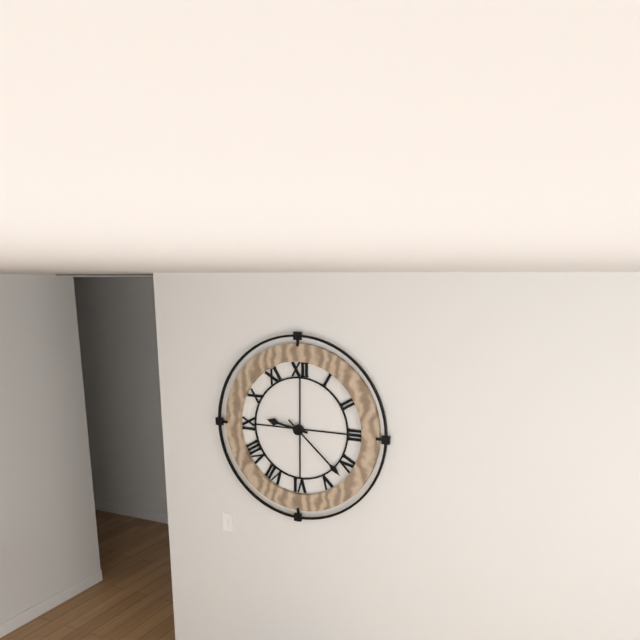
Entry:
h=9 m=22
